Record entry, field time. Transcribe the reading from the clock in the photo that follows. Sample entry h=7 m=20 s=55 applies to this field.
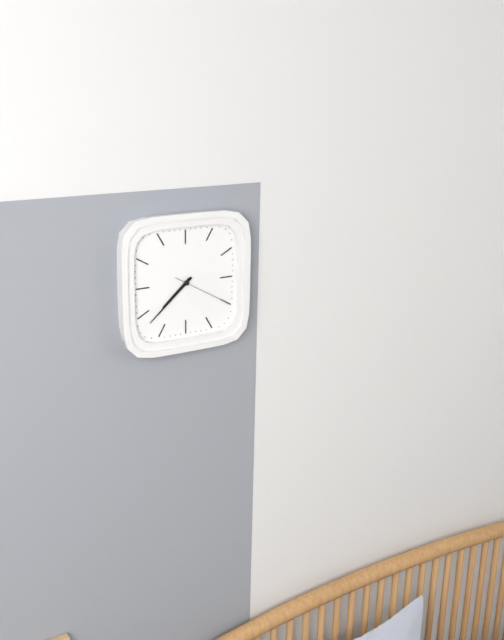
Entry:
h=7 m=38 s=20
